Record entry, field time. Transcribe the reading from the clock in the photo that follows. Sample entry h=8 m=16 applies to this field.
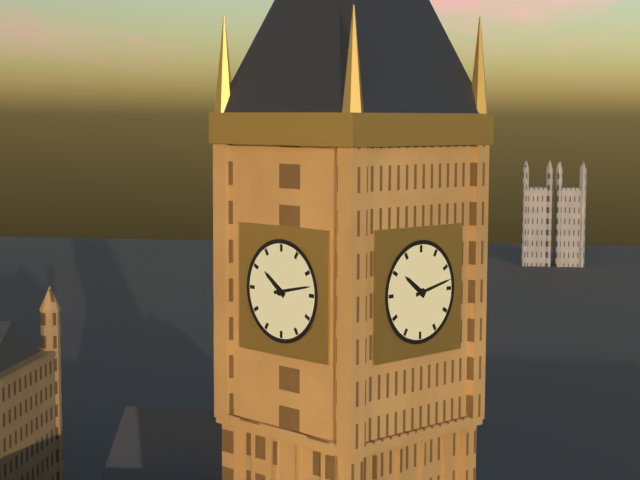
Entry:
h=10 m=13
